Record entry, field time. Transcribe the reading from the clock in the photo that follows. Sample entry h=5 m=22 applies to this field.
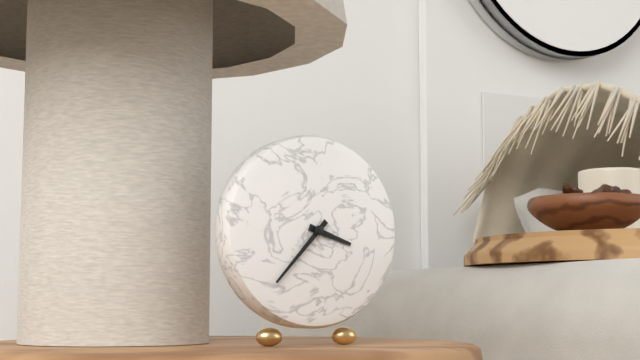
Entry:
h=3 m=37
